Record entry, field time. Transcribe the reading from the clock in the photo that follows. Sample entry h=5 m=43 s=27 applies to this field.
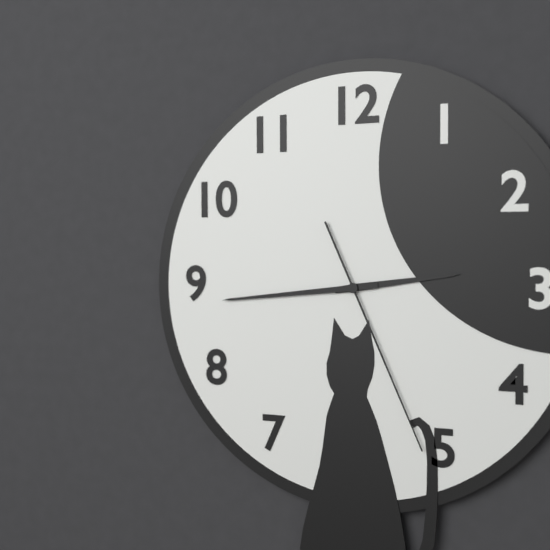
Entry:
h=2 m=44 s=26
